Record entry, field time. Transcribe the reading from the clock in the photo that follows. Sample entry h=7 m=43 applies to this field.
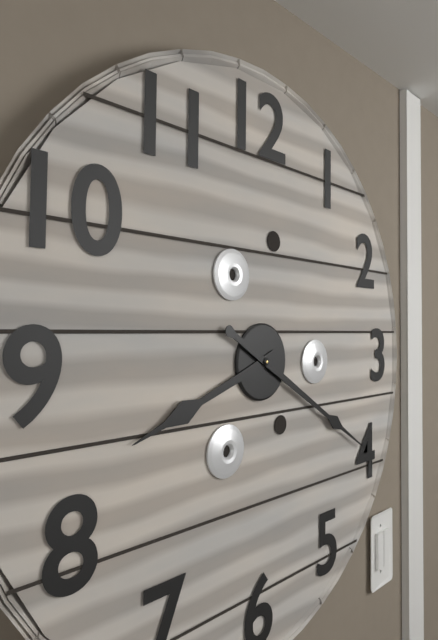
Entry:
h=8 m=20
